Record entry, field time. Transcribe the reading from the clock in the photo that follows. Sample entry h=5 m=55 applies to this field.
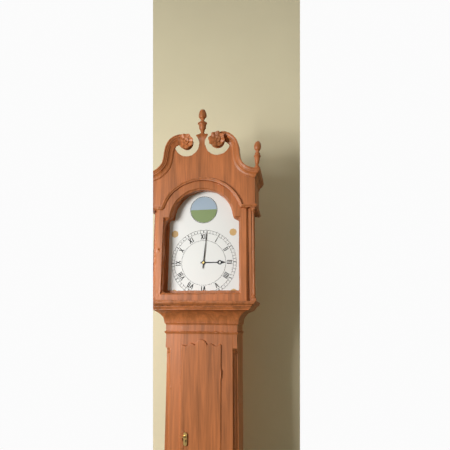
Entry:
h=3 m=1
